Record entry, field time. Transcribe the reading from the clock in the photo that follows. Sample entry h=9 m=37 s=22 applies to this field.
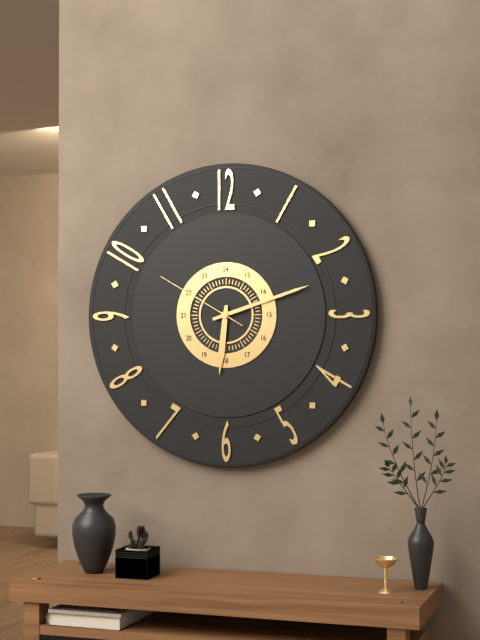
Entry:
h=6 m=12 s=50
